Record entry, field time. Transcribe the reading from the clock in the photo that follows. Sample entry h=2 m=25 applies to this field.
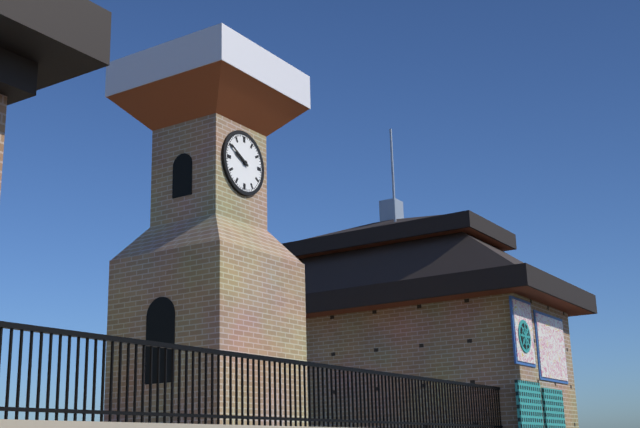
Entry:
h=9 m=50
